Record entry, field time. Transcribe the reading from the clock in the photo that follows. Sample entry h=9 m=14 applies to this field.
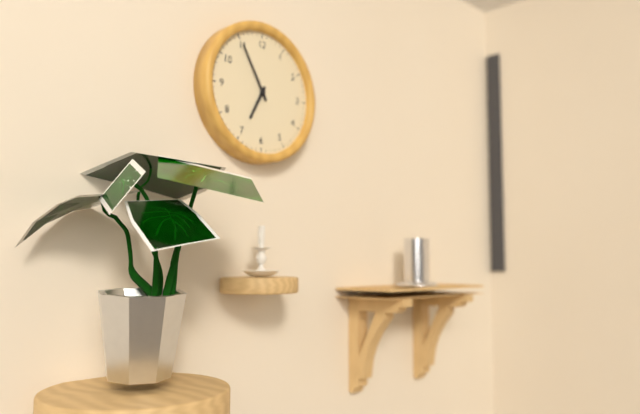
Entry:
h=6 m=55
